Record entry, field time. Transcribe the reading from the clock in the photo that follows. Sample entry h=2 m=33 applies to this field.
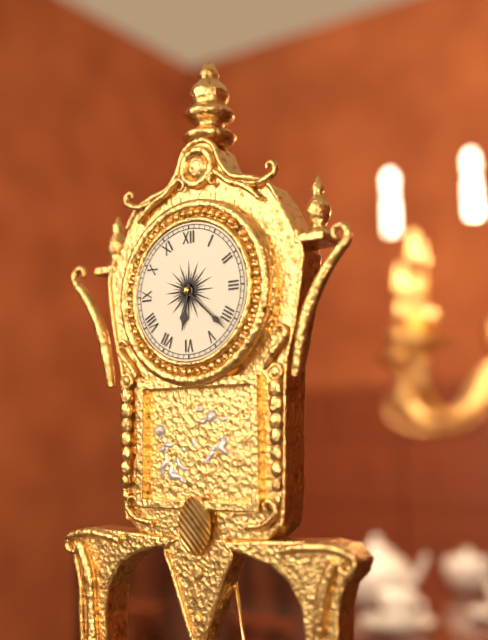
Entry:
h=6 m=22
